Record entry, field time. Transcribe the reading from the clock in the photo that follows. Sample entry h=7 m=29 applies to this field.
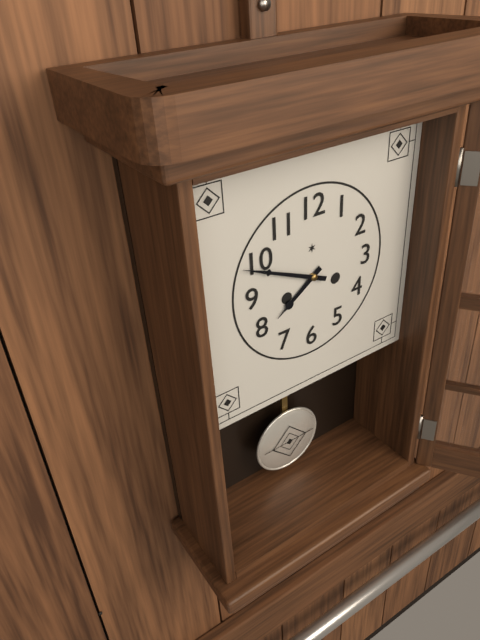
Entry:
h=7 m=49
